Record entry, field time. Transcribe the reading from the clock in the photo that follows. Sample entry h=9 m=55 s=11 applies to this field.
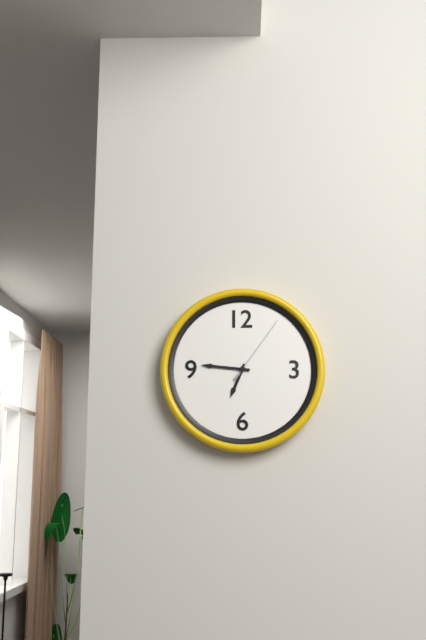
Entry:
h=6 m=46 s=6
